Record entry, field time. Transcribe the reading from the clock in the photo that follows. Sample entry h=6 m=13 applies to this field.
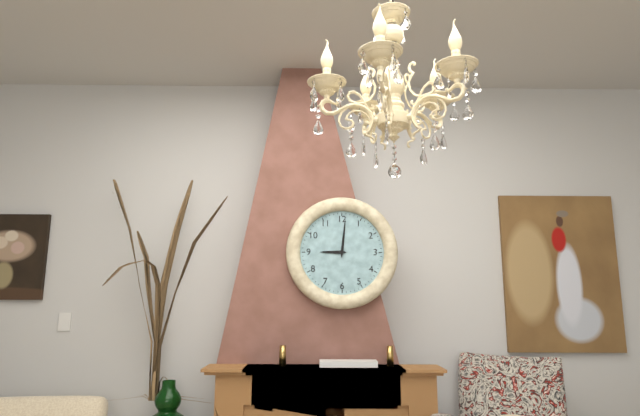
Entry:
h=9 m=1
